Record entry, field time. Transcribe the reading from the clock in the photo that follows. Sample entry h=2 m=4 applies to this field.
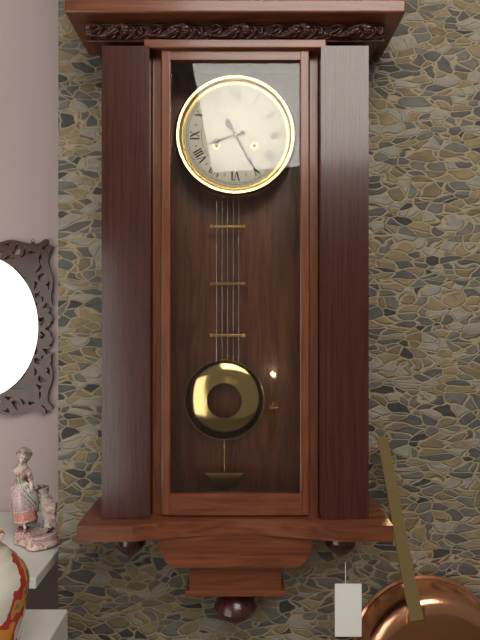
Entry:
h=8 m=25
